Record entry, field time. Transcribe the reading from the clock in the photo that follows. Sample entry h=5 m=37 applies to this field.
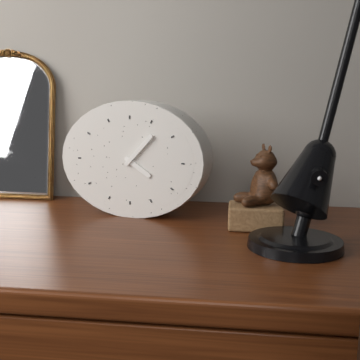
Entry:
h=4 m=7
